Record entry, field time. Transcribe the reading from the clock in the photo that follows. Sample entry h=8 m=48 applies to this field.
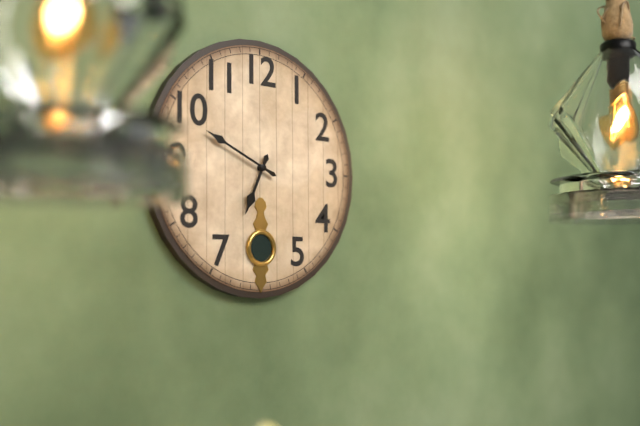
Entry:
h=6 m=49
